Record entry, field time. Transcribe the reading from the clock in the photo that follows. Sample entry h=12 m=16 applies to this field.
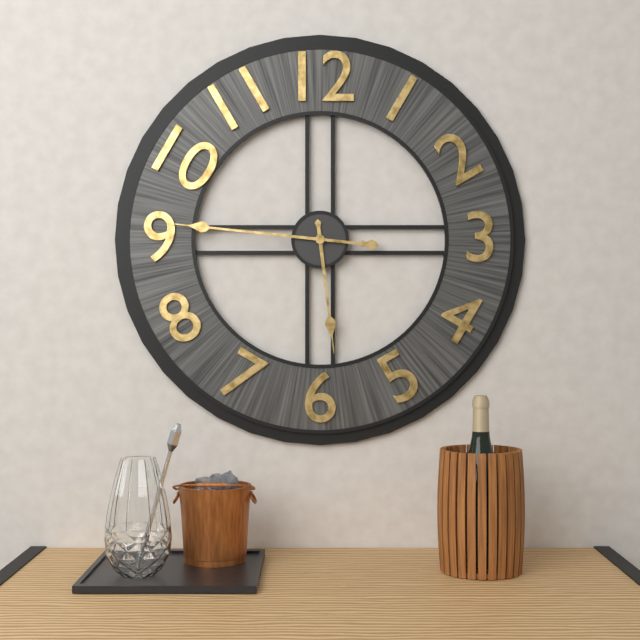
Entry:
h=5 m=46
